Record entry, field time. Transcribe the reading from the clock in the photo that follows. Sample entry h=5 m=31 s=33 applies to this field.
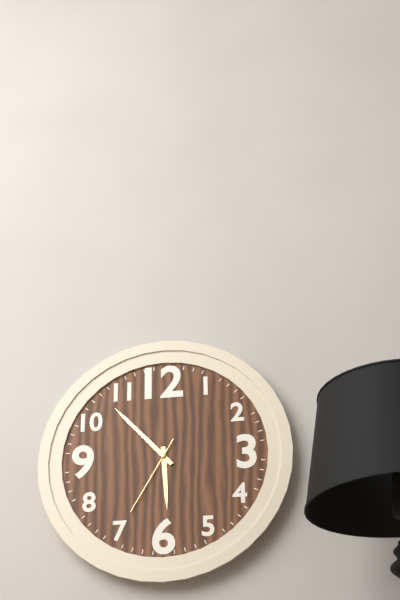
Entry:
h=5 m=53 s=35
